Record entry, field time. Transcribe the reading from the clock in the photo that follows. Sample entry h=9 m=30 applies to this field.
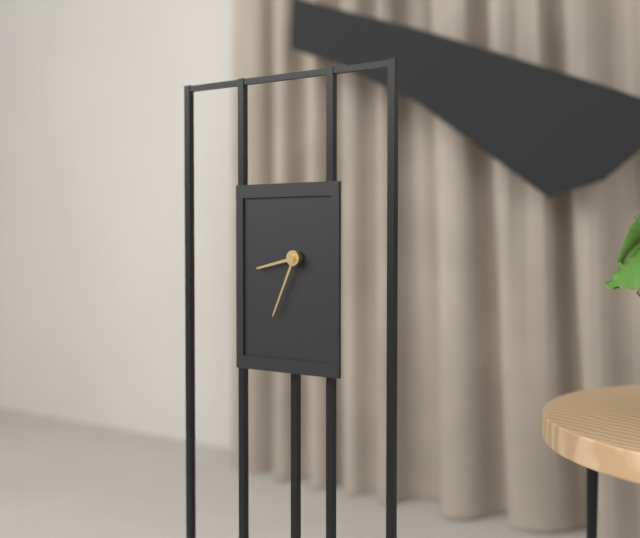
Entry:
h=8 m=34
